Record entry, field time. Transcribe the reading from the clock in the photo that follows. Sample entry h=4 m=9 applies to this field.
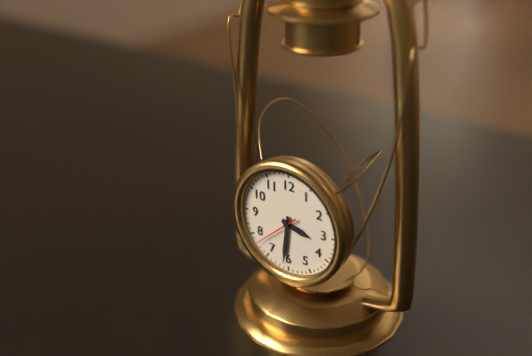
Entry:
h=3 m=31
